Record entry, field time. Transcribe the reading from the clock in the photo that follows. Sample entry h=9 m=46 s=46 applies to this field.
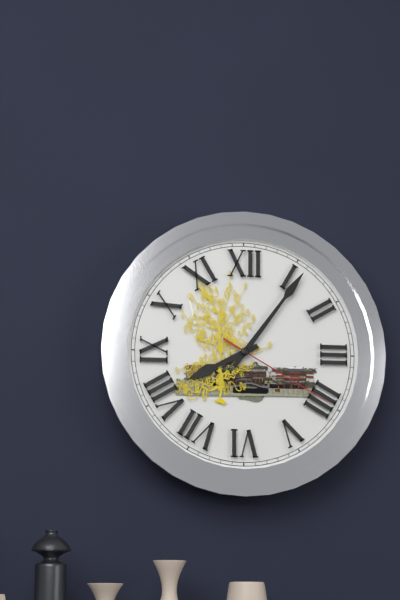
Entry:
h=8 m=6 s=20
